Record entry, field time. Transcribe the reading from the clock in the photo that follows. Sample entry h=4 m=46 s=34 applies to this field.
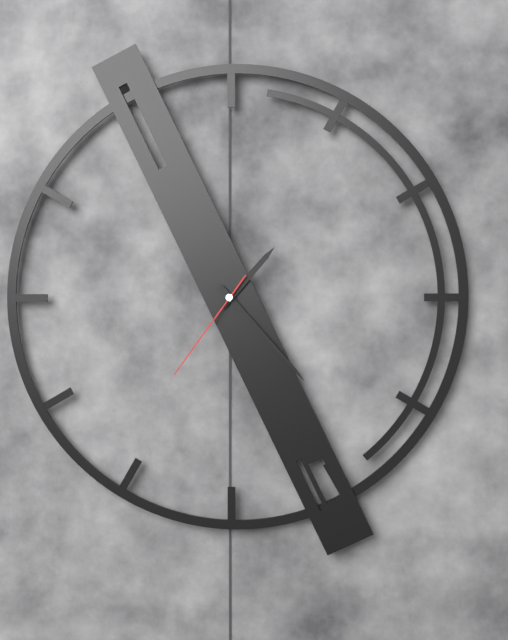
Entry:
h=1 m=23 s=36
